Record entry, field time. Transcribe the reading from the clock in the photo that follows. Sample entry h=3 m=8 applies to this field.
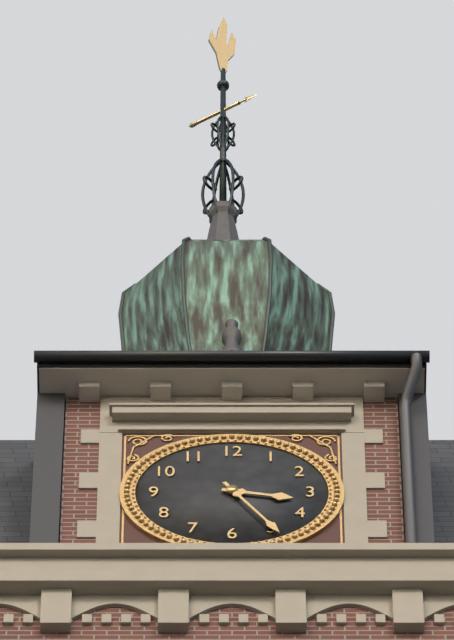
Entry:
h=3 m=25
